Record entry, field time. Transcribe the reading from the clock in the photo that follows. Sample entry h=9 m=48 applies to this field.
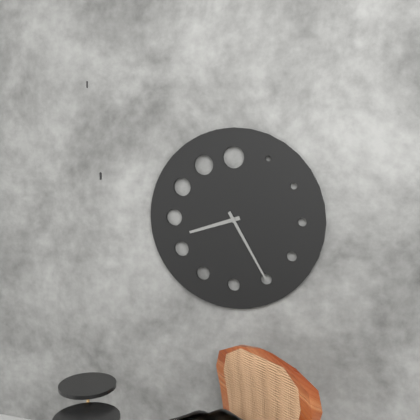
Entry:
h=8 m=25
